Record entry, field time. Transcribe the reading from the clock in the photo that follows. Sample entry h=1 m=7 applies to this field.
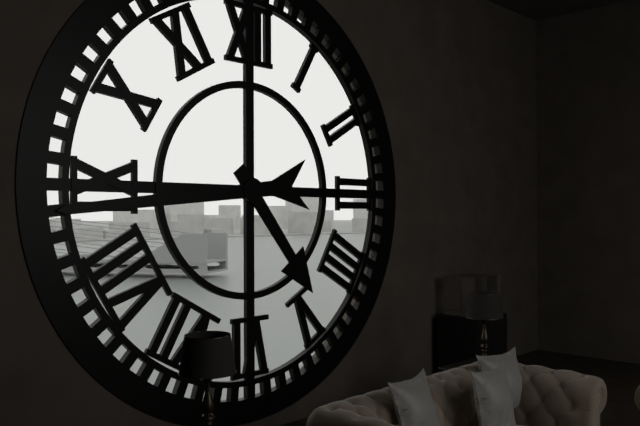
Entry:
h=4 m=44
